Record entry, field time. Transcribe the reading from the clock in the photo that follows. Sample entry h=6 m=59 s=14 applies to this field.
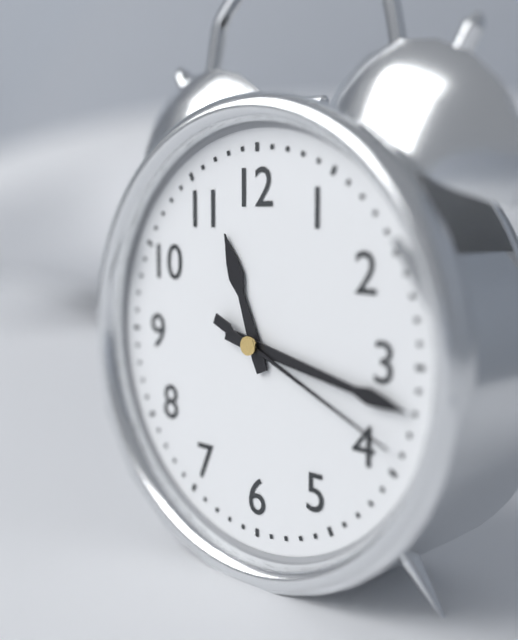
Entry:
h=11 m=17 s=19
